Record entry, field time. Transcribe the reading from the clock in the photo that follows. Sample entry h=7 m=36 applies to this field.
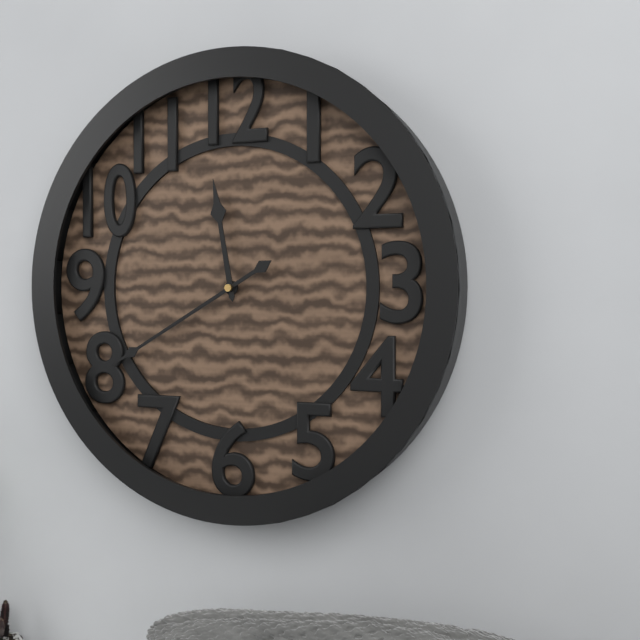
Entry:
h=11 m=40
